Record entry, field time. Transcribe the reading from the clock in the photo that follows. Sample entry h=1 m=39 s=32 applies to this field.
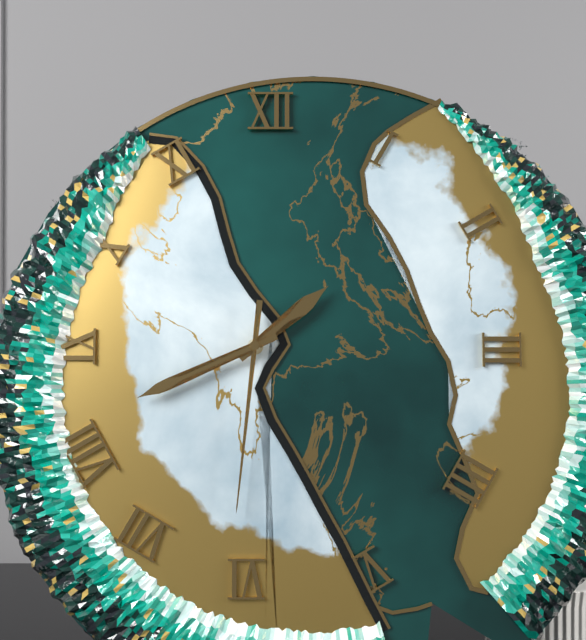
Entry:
h=1 m=41 s=31
